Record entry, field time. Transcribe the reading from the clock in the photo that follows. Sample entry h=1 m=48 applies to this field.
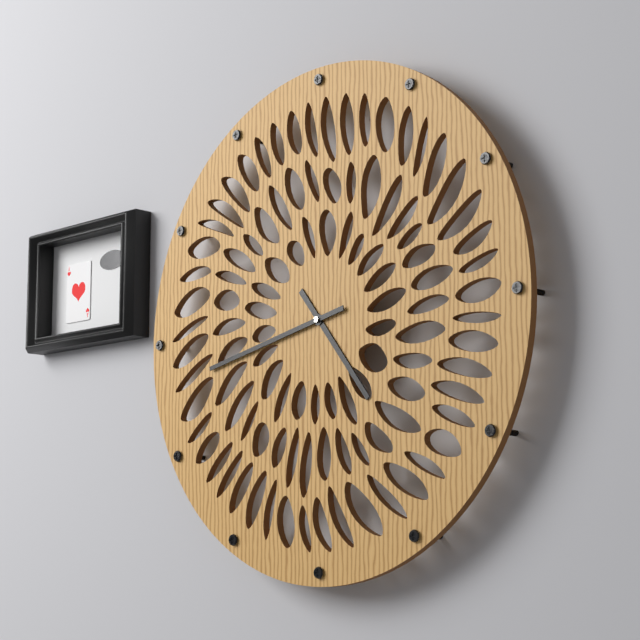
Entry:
h=4 m=43
